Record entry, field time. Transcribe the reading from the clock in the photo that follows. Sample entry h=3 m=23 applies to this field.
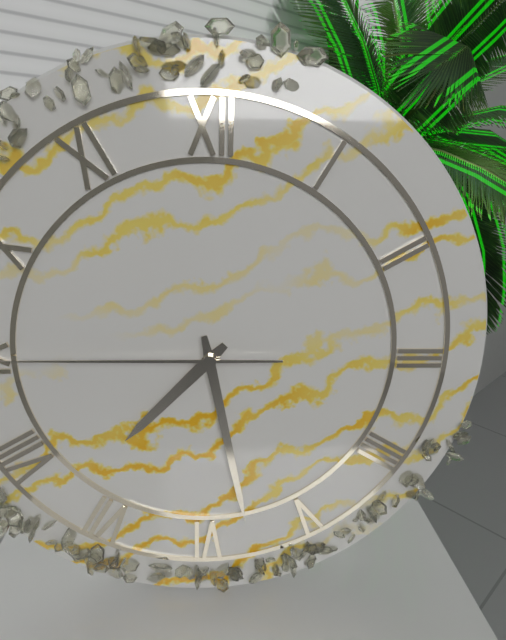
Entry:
h=7 m=28
